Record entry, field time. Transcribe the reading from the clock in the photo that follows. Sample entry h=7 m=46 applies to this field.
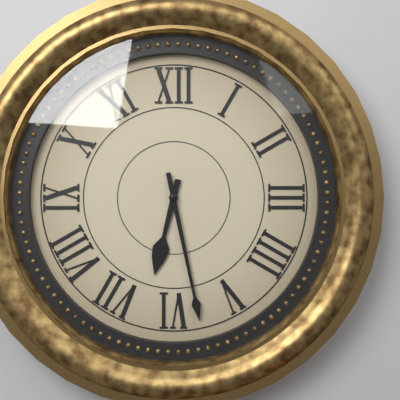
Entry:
h=6 m=28
